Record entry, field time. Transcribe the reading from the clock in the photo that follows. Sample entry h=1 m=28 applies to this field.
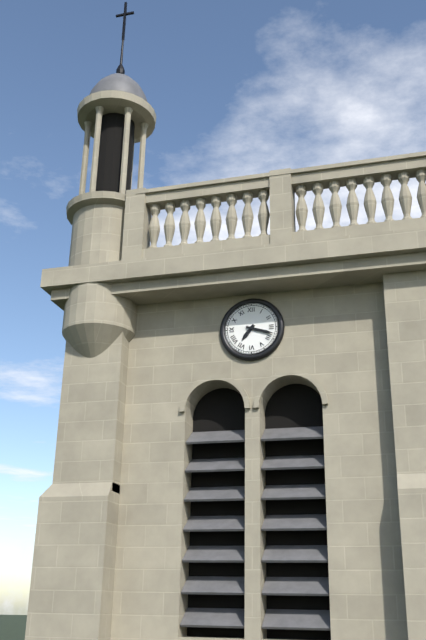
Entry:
h=7 m=18
